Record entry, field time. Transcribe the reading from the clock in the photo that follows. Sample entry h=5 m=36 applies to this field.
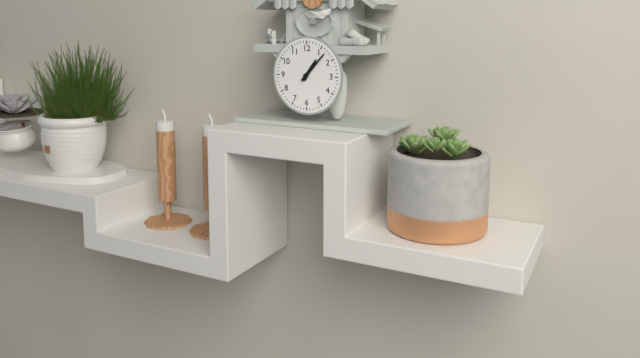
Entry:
h=1 m=7
